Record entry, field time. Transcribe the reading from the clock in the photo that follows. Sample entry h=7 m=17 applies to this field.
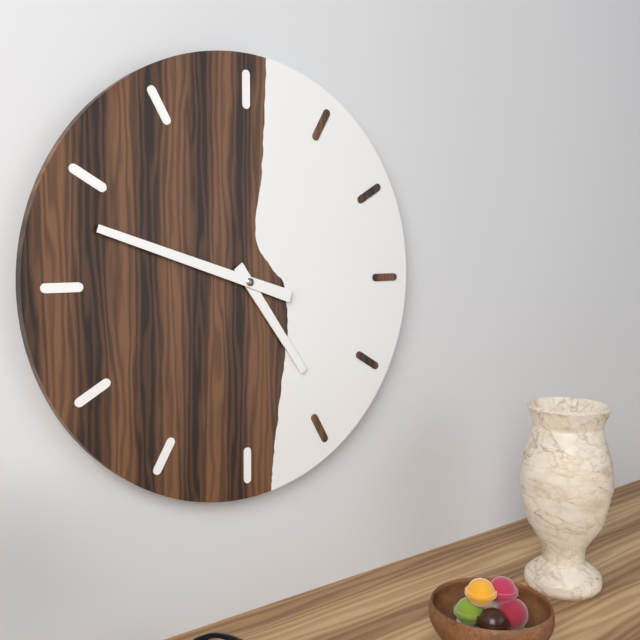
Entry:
h=4 m=48
